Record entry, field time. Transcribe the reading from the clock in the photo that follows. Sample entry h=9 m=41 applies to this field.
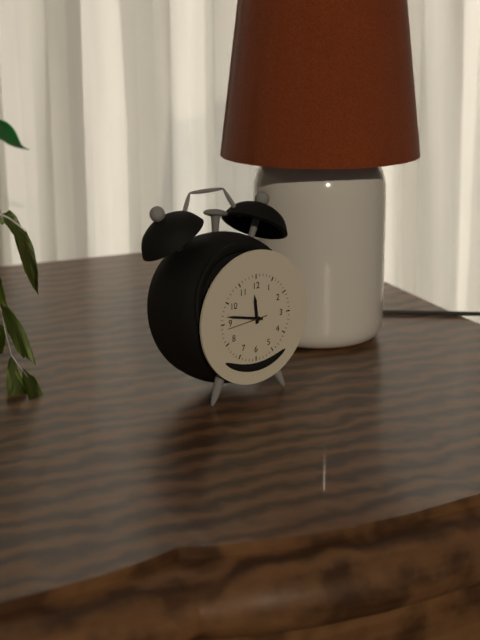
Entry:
h=11 m=47
